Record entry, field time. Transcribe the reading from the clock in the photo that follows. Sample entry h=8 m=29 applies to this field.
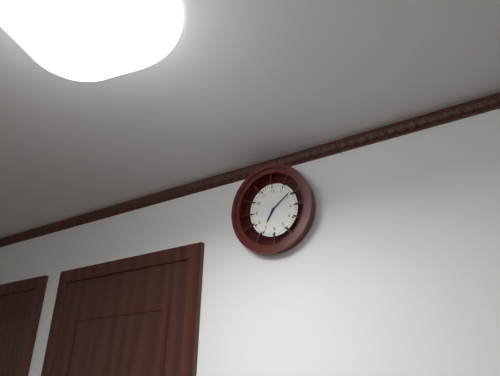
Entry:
h=7 m=9
